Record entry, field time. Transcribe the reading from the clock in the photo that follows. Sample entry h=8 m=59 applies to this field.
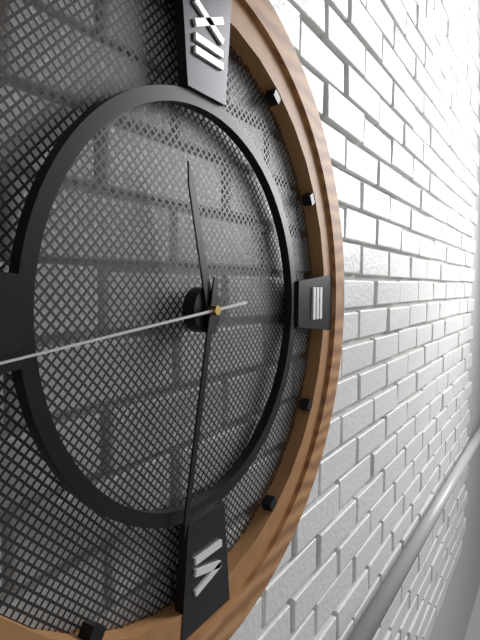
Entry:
h=11 m=32
